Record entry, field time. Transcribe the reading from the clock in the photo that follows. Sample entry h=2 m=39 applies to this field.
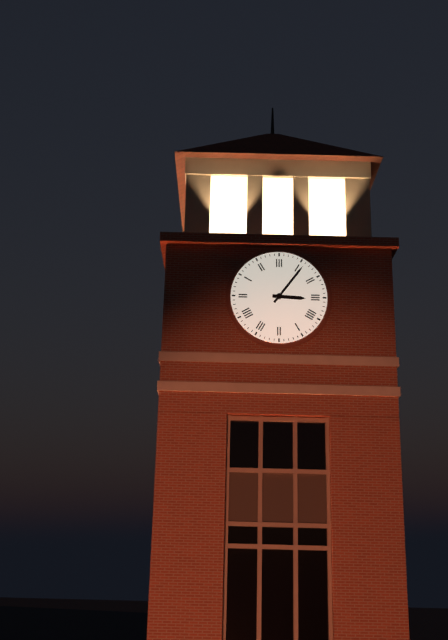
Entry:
h=3 m=6
